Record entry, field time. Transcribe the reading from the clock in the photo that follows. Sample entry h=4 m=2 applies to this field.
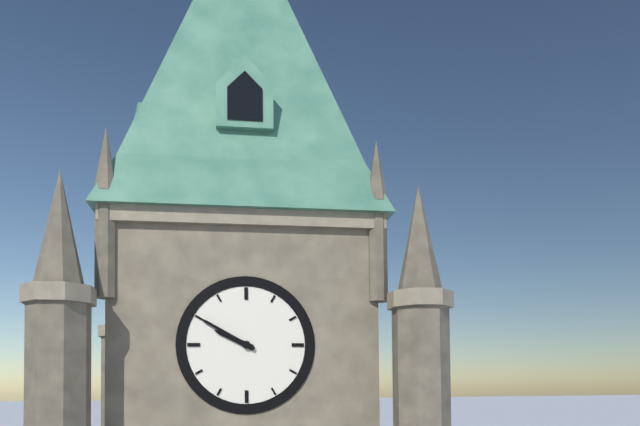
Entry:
h=9 m=50
